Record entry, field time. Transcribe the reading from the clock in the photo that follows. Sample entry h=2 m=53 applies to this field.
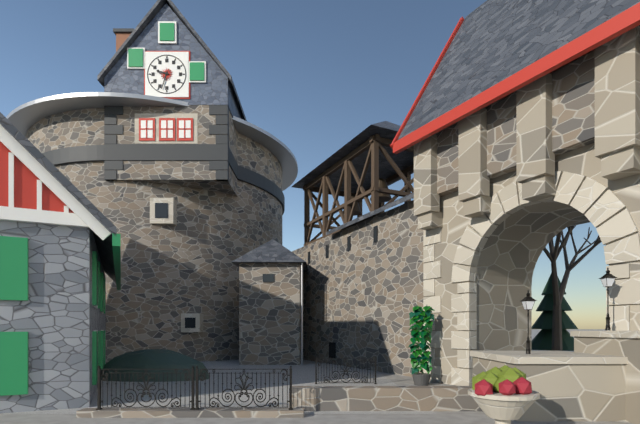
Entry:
h=9 m=33
